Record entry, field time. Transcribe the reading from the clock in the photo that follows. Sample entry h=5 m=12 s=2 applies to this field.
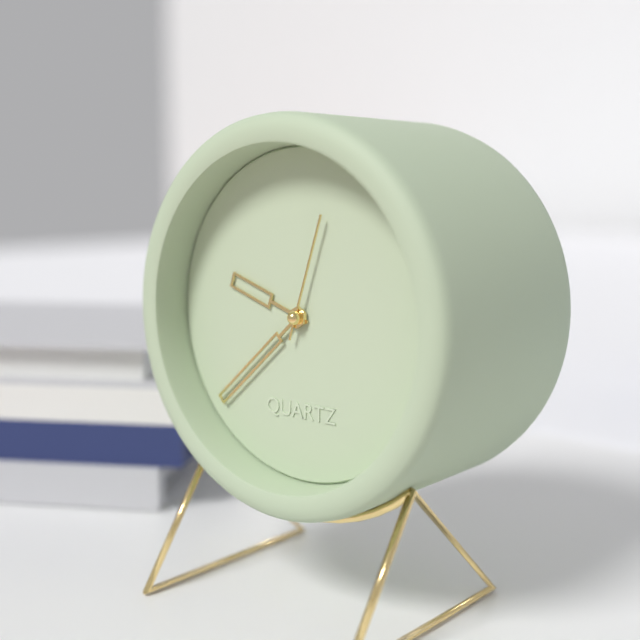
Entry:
h=9 m=38 s=3
